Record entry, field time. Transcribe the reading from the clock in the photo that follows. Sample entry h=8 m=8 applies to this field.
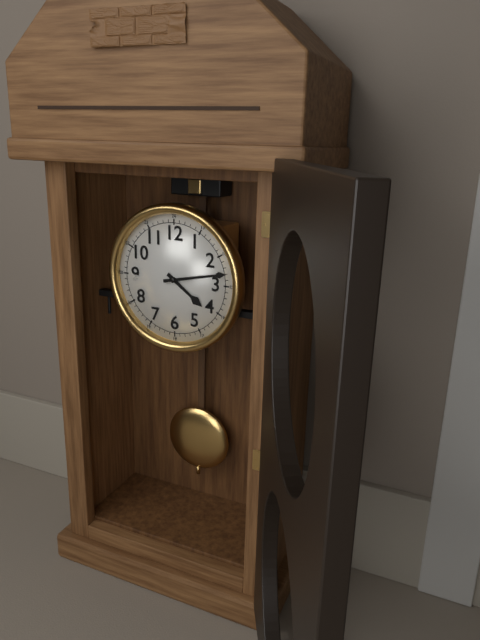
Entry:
h=4 m=13
